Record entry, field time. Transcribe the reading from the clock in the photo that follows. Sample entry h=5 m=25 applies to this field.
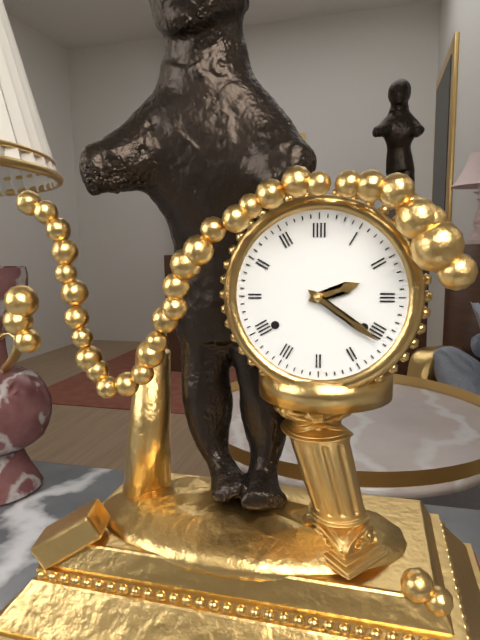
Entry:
h=2 m=21
